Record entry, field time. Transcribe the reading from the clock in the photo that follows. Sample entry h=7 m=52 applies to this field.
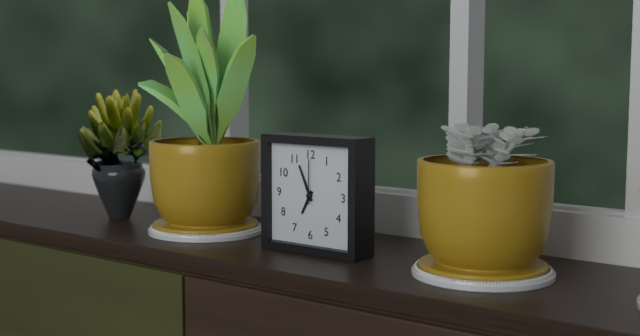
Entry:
h=6 m=56
